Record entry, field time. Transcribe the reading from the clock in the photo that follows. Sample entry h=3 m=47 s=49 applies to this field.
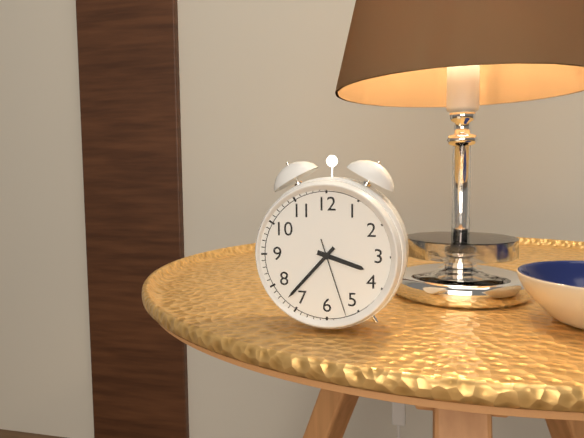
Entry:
h=3 m=37 s=27
